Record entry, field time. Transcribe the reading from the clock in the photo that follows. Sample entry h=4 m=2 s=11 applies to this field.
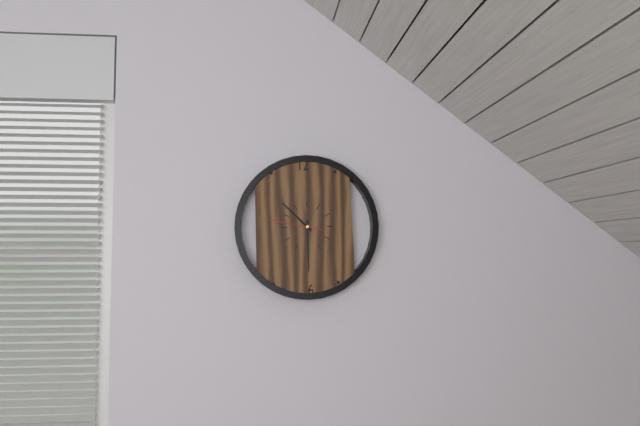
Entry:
h=10 m=30 s=47
